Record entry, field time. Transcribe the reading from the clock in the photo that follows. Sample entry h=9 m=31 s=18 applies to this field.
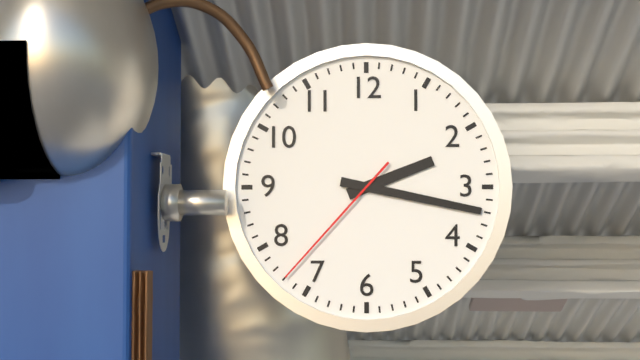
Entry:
h=2 m=17 s=37
